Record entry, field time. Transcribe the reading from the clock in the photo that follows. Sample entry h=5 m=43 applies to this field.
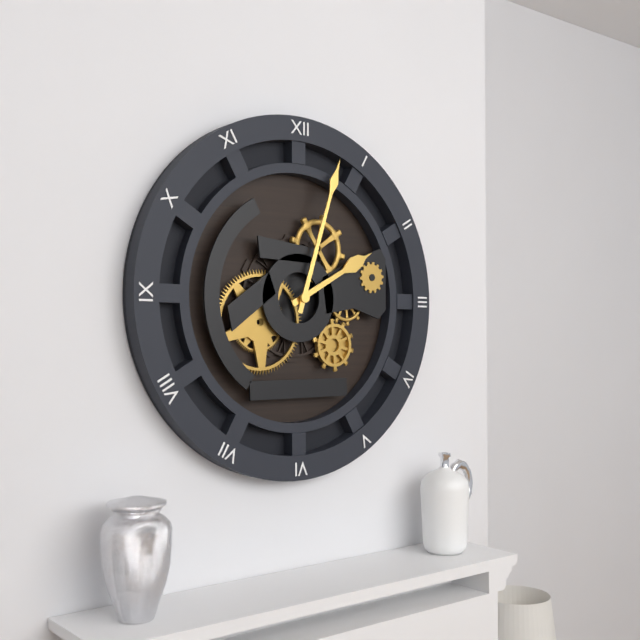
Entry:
h=2 m=3
